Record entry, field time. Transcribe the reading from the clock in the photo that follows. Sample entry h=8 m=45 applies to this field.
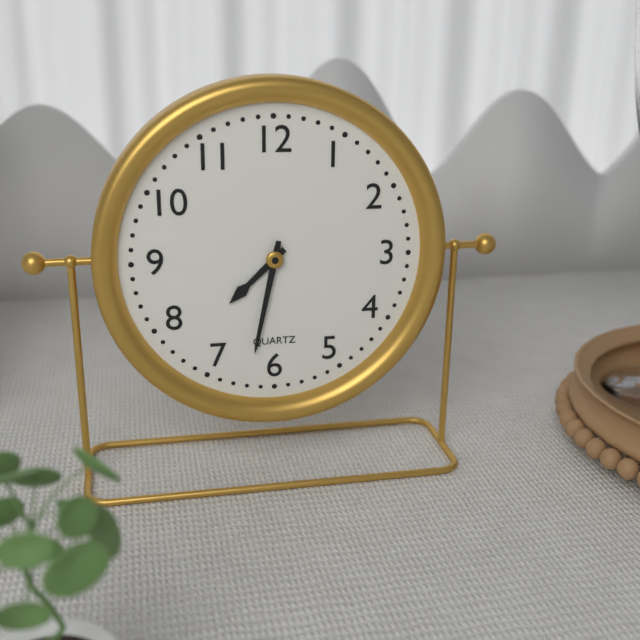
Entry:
h=7 m=32
